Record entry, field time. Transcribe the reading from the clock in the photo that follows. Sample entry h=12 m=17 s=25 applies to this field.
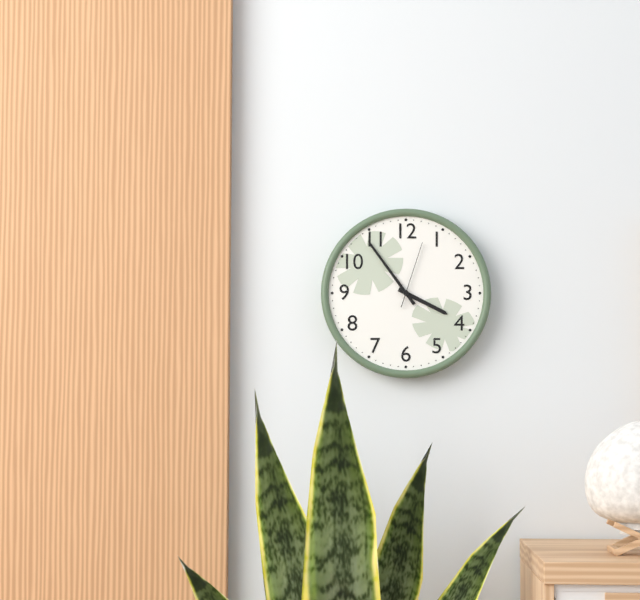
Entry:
h=3 m=54 s=3
